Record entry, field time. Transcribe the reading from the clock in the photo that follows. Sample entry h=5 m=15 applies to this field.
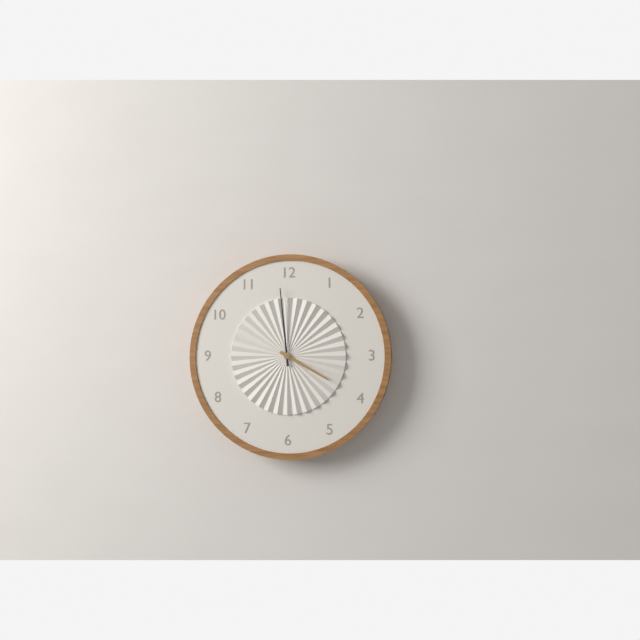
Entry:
h=3 m=59
